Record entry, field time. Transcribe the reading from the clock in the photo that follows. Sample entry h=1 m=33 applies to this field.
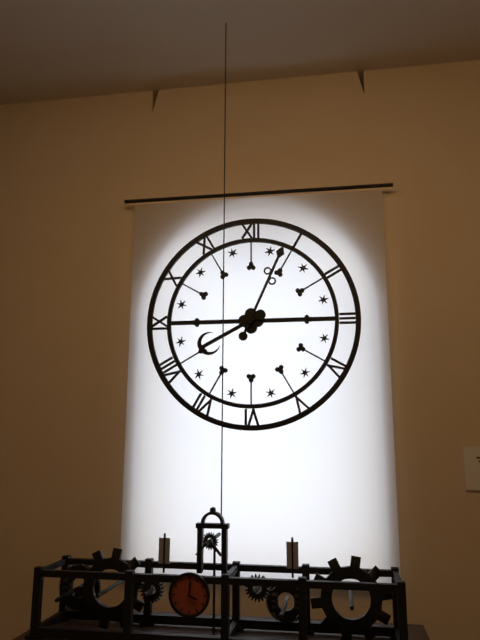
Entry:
h=8 m=4
